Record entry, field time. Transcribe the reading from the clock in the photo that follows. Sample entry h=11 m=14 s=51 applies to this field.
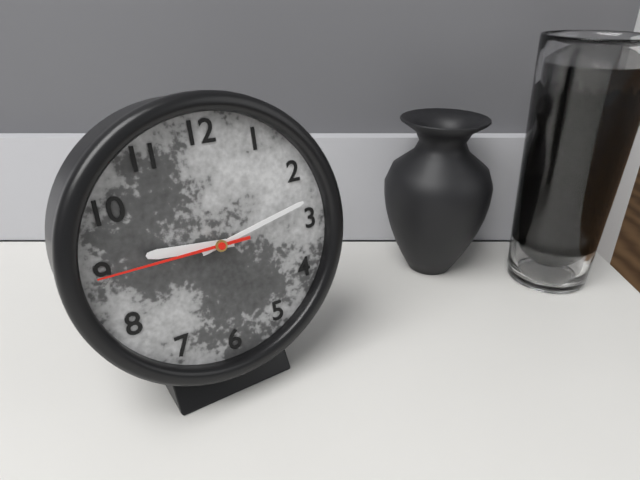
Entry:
h=9 m=13 s=45
